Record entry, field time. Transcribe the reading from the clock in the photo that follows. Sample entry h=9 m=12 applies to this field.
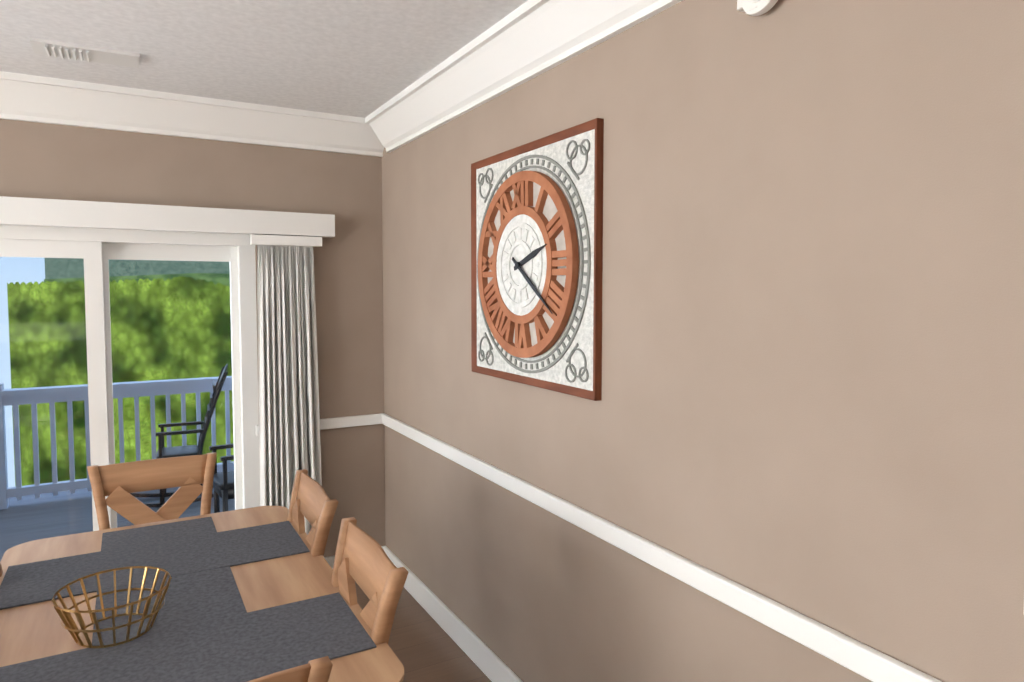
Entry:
h=2 m=21
